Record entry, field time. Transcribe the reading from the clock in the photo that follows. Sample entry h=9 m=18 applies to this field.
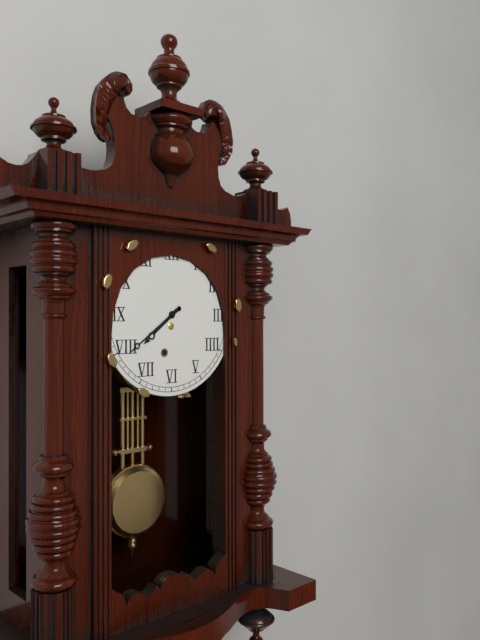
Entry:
h=7 m=39
